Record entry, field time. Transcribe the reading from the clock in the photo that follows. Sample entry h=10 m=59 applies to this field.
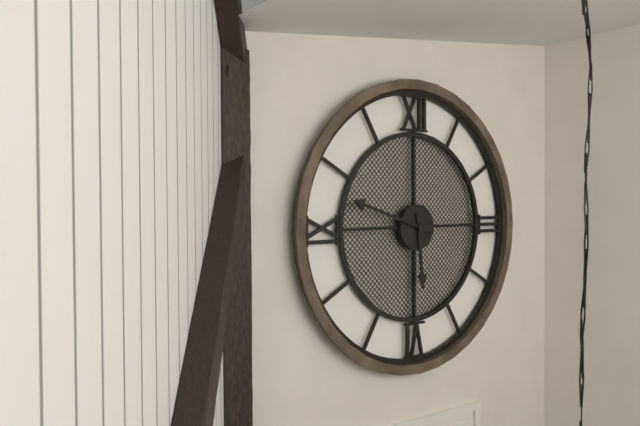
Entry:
h=5 m=48
